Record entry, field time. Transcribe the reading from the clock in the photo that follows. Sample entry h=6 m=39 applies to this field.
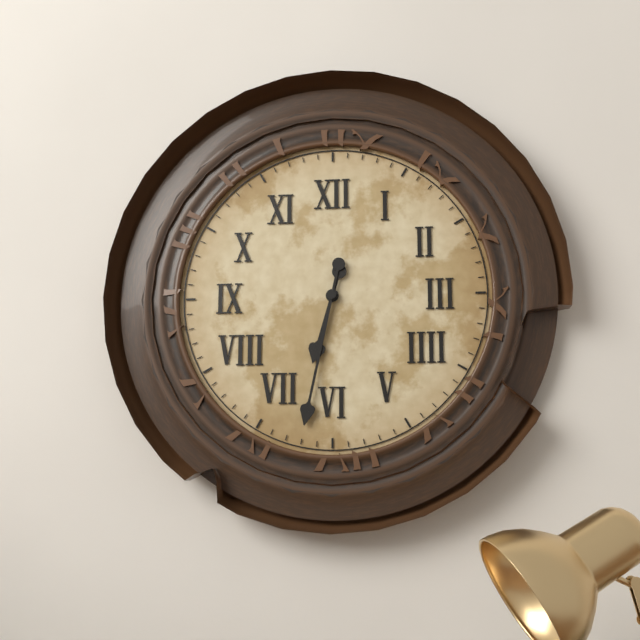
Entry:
h=6 m=32
